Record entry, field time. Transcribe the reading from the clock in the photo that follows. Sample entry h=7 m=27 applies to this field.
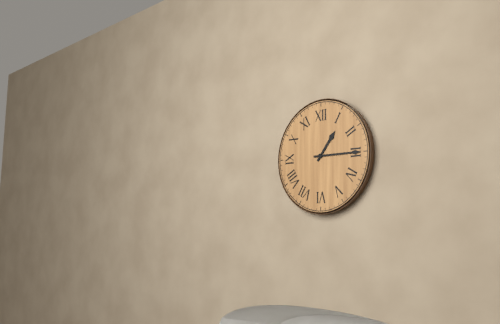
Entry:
h=1 m=15
